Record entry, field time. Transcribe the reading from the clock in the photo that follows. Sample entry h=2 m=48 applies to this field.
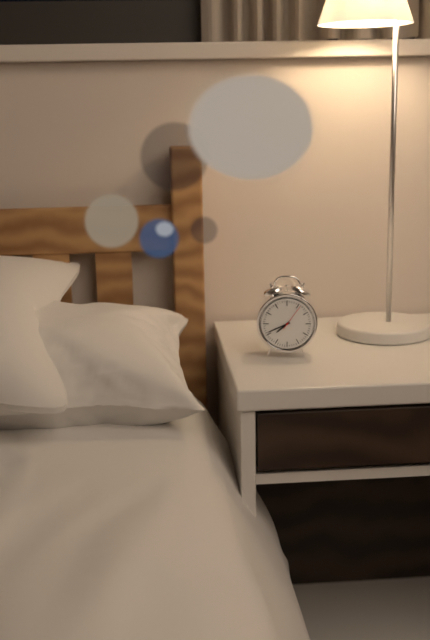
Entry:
h=7 m=41
